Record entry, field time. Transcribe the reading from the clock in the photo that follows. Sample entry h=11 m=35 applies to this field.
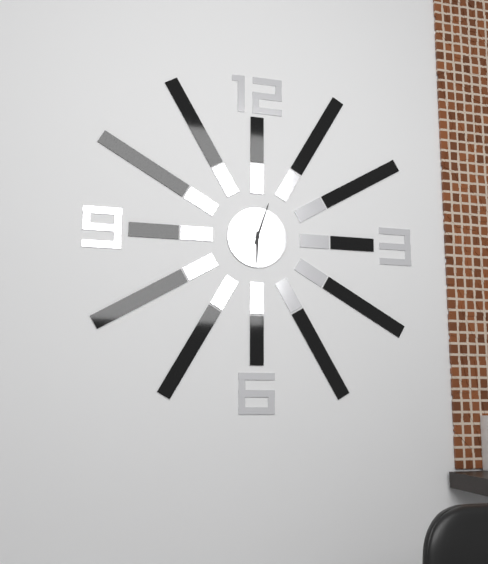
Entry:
h=6 m=3
